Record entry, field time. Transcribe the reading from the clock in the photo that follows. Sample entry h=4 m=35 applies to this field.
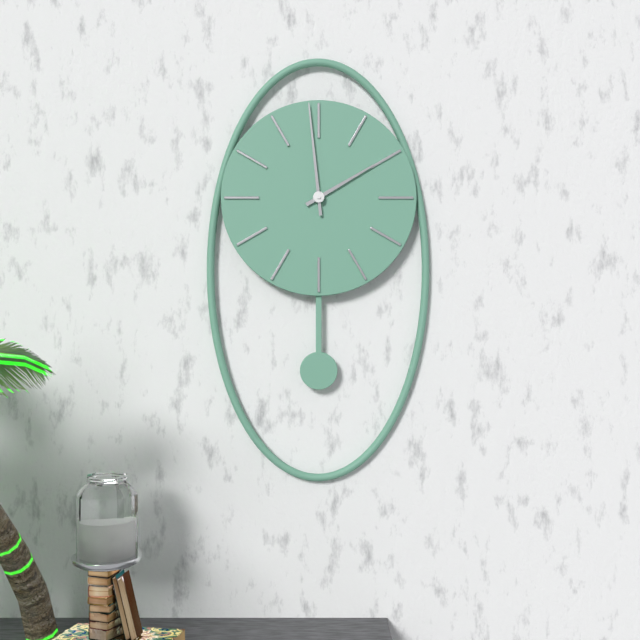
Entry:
h=1 m=59
